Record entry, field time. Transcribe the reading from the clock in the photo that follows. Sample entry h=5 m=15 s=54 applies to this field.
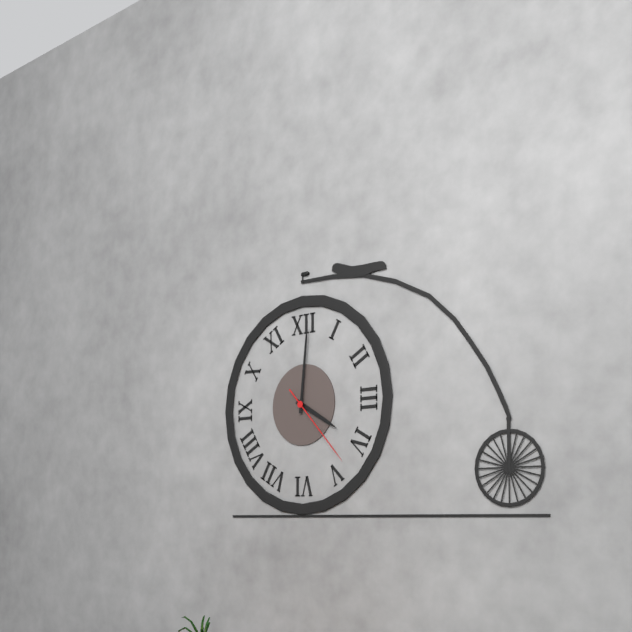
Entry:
h=4 m=1 s=23
